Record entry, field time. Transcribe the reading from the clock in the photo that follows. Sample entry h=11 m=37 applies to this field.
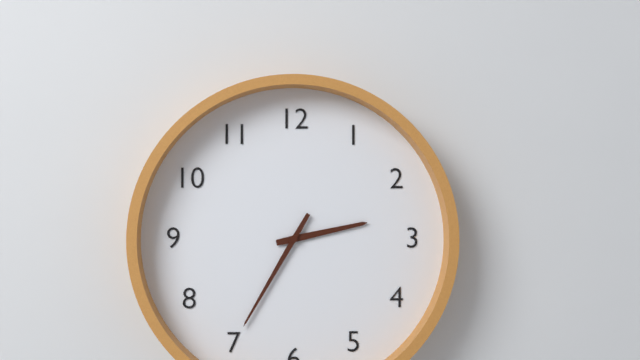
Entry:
h=2 m=35
